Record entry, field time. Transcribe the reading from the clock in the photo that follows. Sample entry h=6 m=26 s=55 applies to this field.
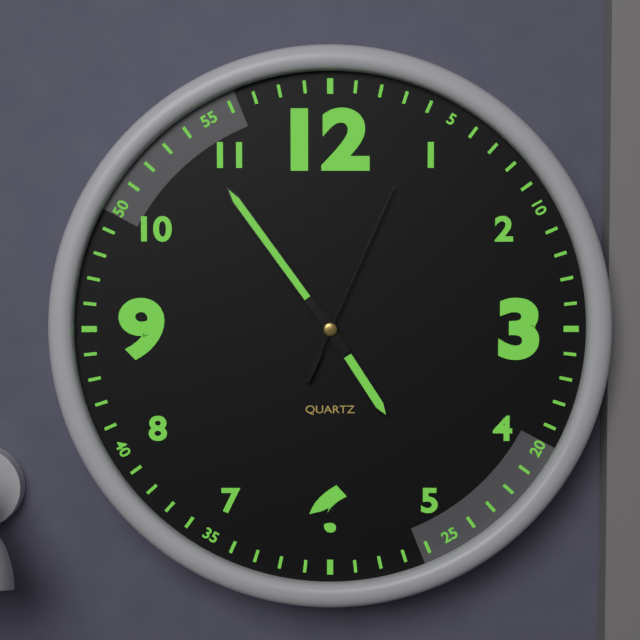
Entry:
h=4 m=54 s=4
